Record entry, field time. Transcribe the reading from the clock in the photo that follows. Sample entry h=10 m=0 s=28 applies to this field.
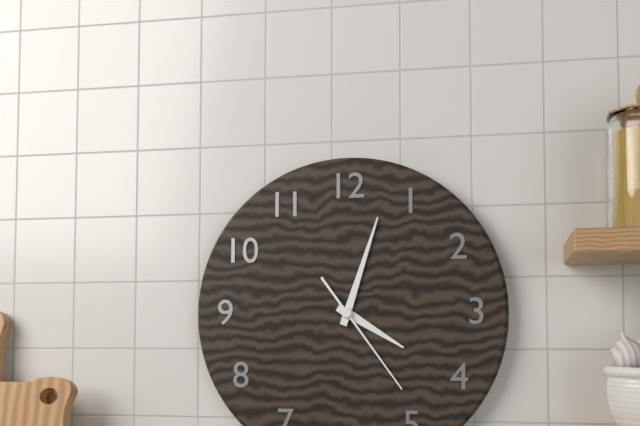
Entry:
h=4 m=3 s=24
